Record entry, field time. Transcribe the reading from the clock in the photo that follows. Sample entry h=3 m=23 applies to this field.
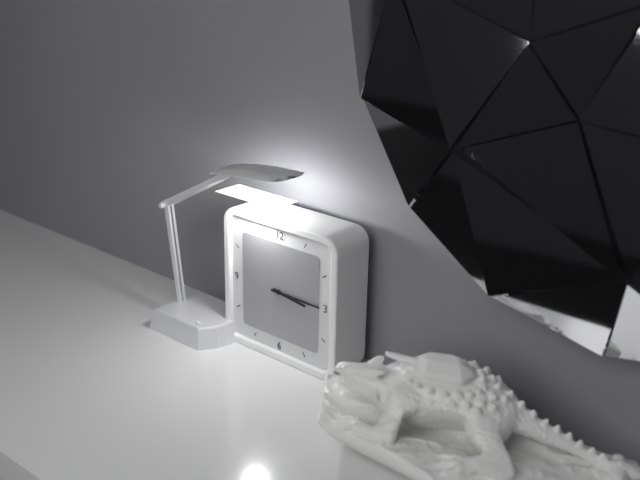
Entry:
h=3 m=15
